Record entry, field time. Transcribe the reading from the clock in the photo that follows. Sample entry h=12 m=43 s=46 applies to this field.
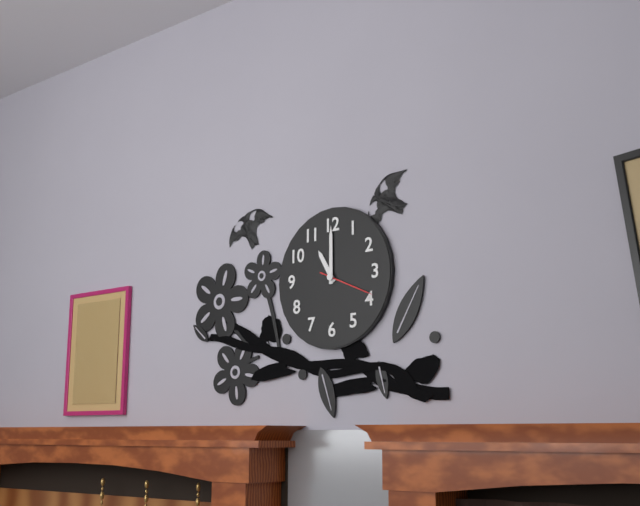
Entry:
h=11 m=0 s=19
